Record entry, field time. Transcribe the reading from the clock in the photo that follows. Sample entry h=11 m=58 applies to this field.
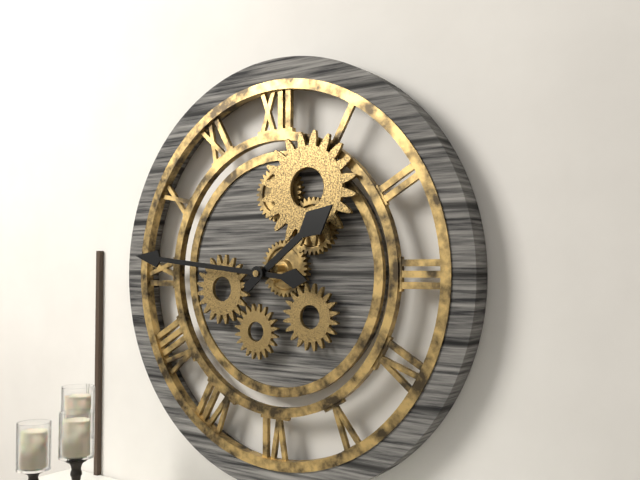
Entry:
h=1 m=46
